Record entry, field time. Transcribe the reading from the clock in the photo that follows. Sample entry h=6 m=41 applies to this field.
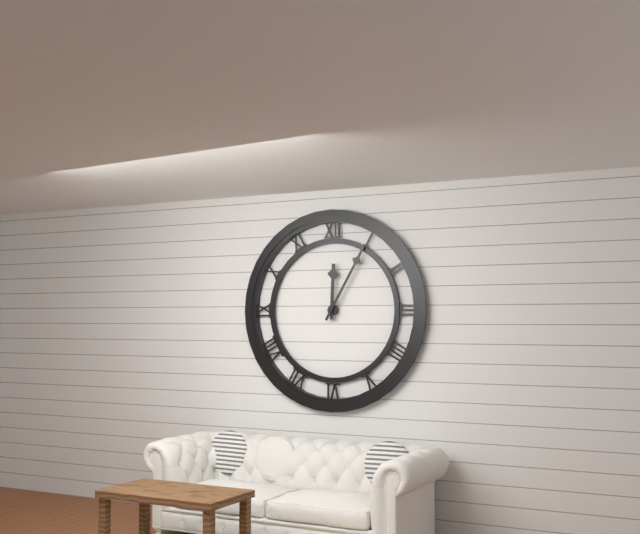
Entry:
h=12 m=5
